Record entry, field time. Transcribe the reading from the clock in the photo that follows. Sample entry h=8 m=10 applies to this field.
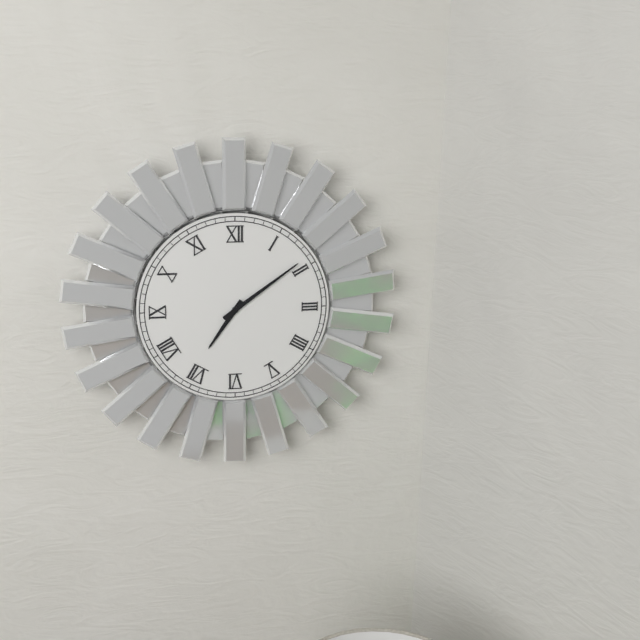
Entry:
h=7 m=9
